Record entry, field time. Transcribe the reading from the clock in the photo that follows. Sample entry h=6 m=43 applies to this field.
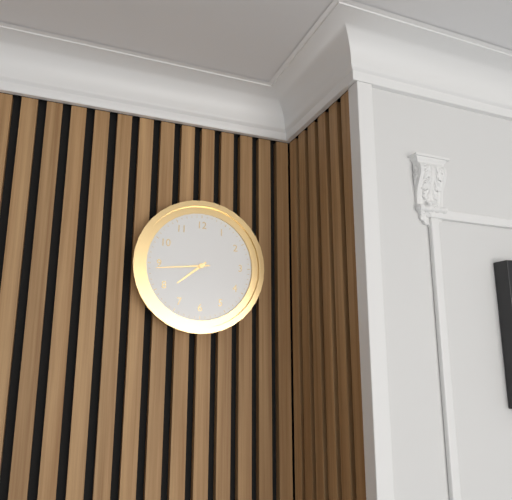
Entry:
h=7 m=44
